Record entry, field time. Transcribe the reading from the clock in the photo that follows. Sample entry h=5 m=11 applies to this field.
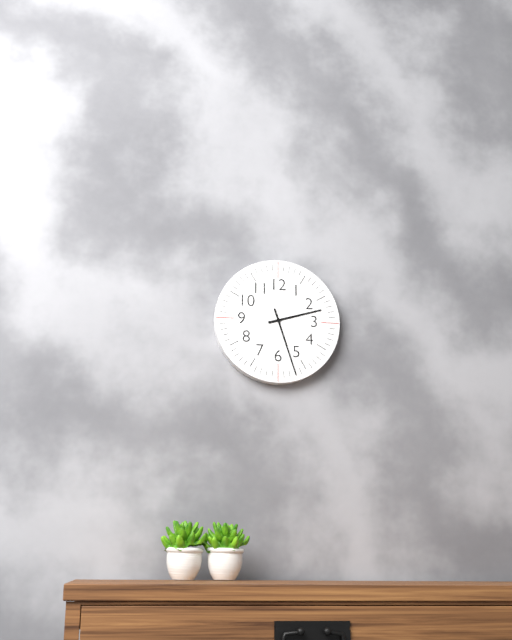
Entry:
h=2 m=27
